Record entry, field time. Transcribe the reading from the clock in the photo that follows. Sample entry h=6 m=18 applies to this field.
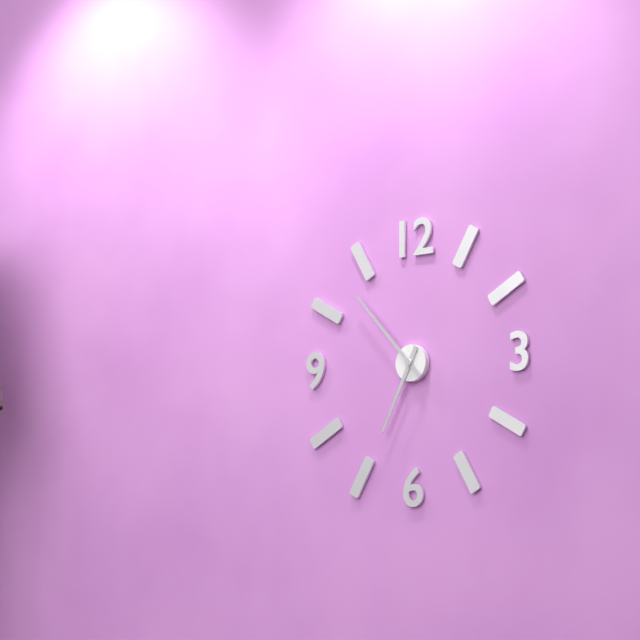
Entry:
h=6 m=53
